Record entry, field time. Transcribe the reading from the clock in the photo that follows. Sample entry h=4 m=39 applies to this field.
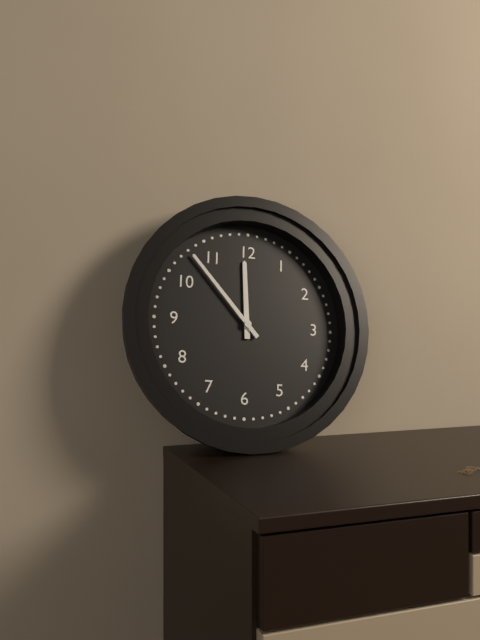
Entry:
h=11 m=53
